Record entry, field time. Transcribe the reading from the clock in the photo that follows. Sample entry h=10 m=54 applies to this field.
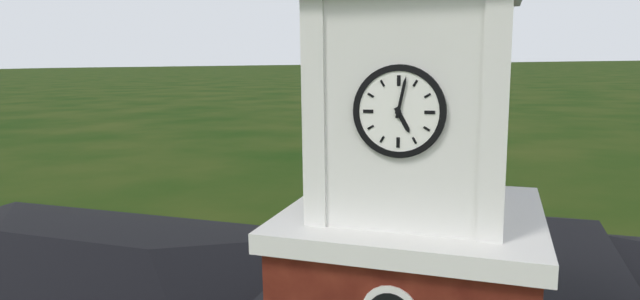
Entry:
h=5 m=2
